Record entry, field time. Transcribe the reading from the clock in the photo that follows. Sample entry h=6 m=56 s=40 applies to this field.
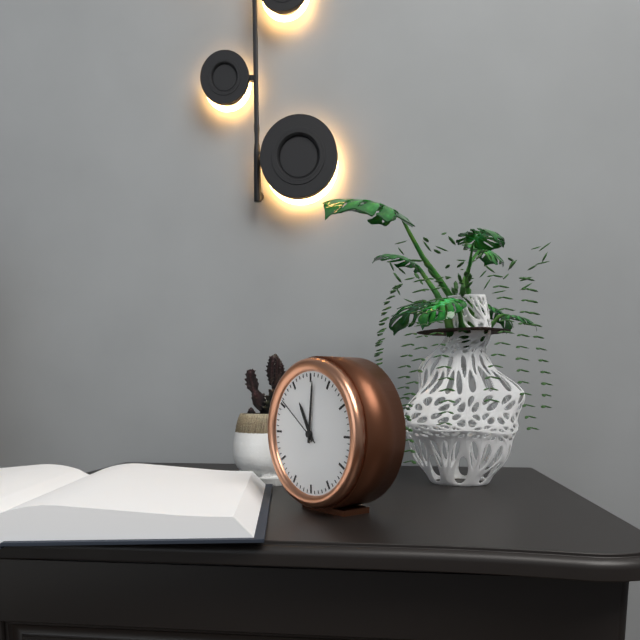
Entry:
h=11 m=1 s=51
